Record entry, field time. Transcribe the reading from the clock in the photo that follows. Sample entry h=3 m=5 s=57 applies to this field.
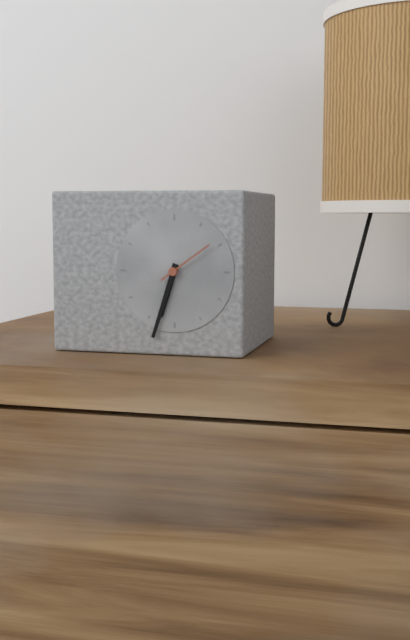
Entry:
h=6 m=33 s=9
